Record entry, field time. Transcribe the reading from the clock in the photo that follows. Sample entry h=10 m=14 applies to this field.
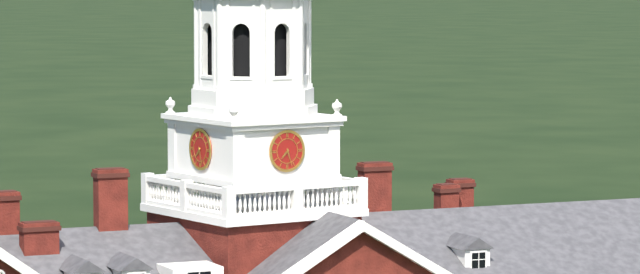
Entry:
h=7 m=27
